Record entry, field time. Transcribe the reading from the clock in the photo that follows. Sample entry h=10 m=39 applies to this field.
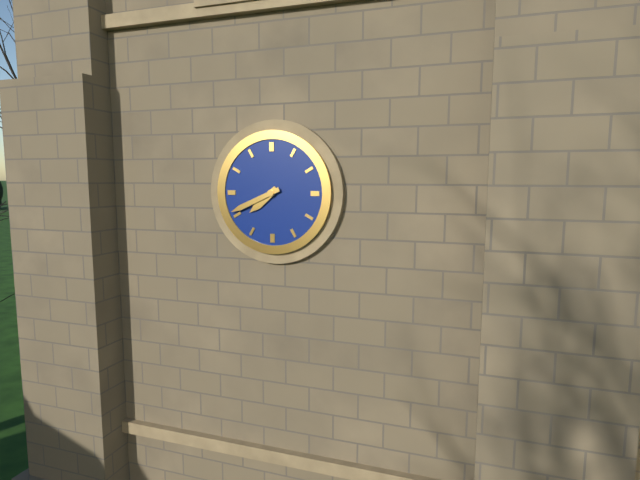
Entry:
h=7 m=41
